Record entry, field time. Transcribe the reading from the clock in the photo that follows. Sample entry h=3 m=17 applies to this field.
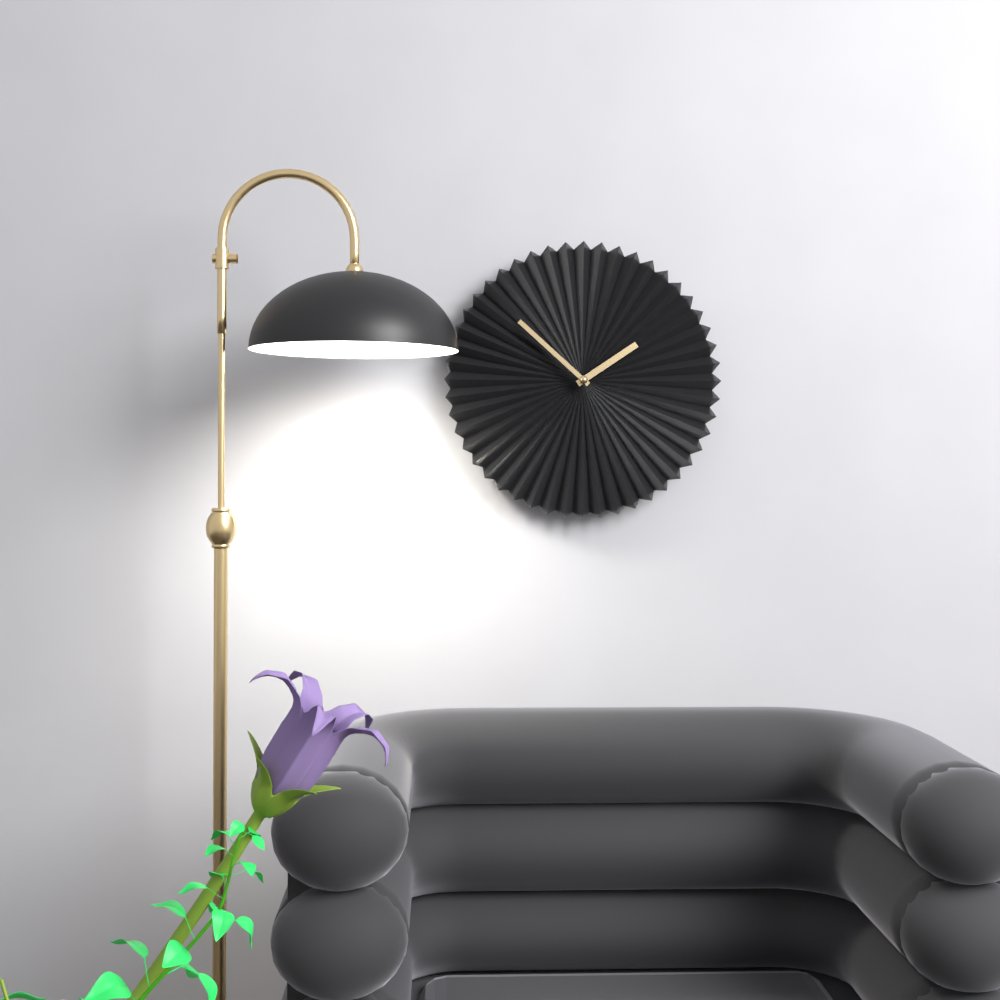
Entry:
h=1 m=52
